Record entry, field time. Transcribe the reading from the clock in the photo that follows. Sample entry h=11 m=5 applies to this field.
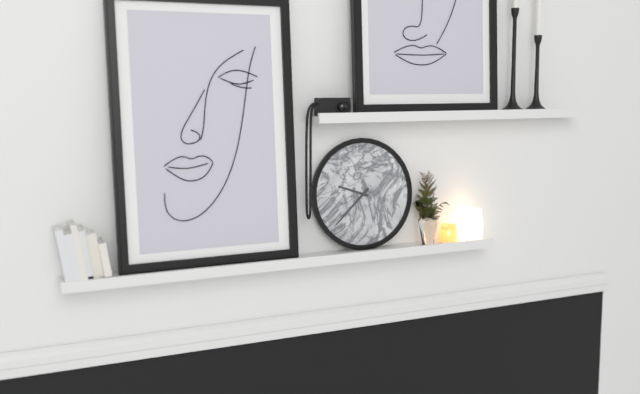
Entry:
h=9 m=38
